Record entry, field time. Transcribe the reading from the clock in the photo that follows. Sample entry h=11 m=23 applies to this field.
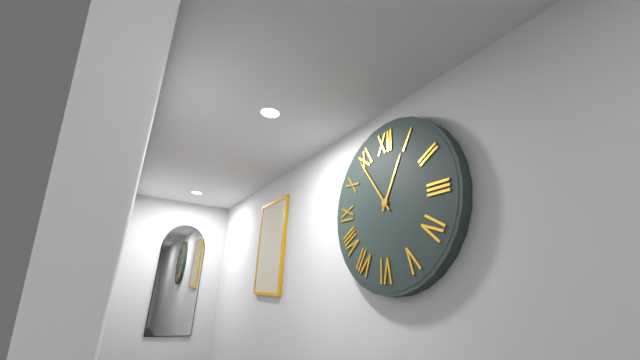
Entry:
h=12 m=54
